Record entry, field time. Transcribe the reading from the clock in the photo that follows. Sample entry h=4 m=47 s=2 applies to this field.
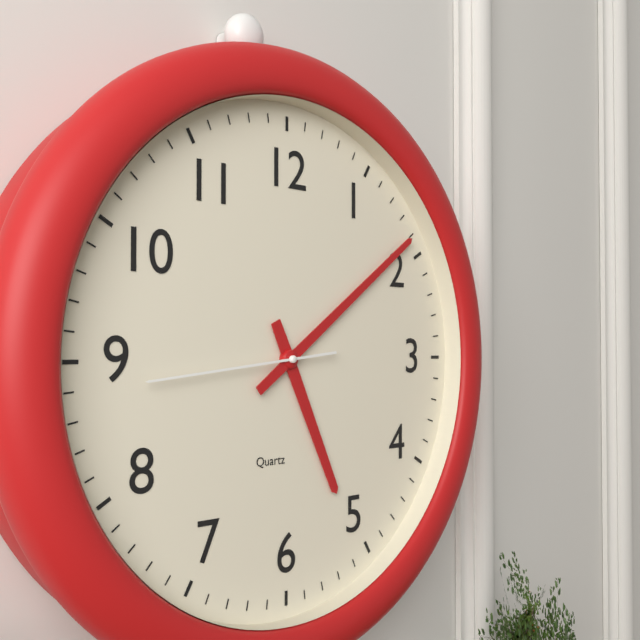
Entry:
h=5 m=9 s=44
